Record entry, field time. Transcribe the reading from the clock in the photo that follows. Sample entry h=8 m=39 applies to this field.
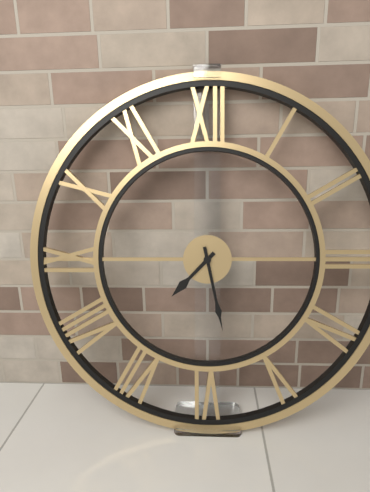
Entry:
h=7 m=28
